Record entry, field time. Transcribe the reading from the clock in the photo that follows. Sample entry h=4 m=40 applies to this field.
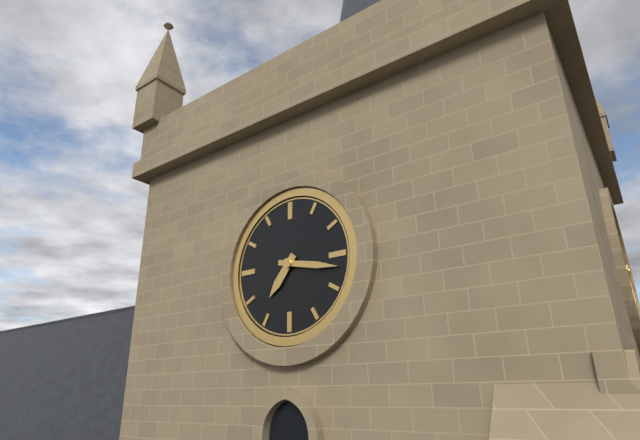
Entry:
h=7 m=17
